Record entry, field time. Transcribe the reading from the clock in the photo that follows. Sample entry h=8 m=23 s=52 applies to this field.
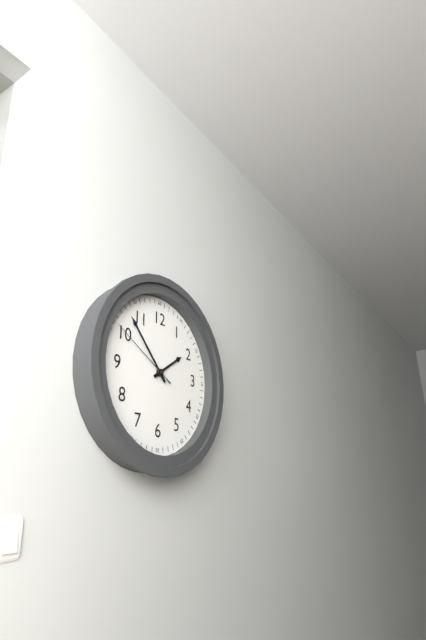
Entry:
h=1 m=53 s=50
